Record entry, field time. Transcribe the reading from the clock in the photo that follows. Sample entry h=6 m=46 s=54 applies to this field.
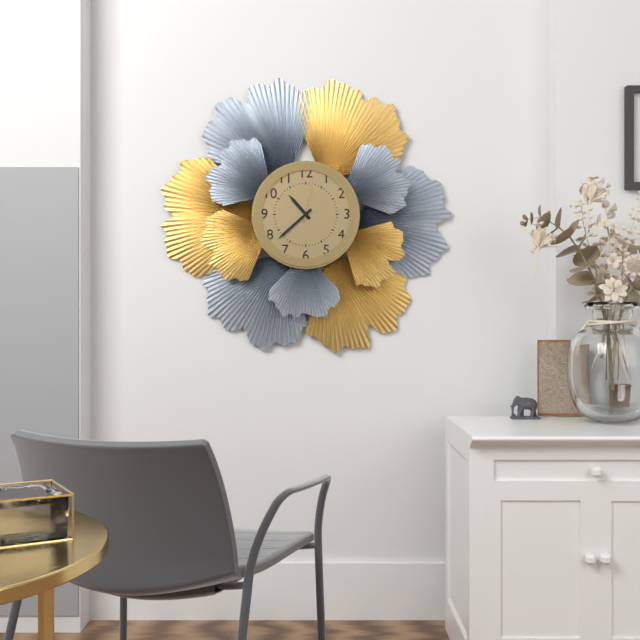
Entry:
h=10 m=38 s=2
